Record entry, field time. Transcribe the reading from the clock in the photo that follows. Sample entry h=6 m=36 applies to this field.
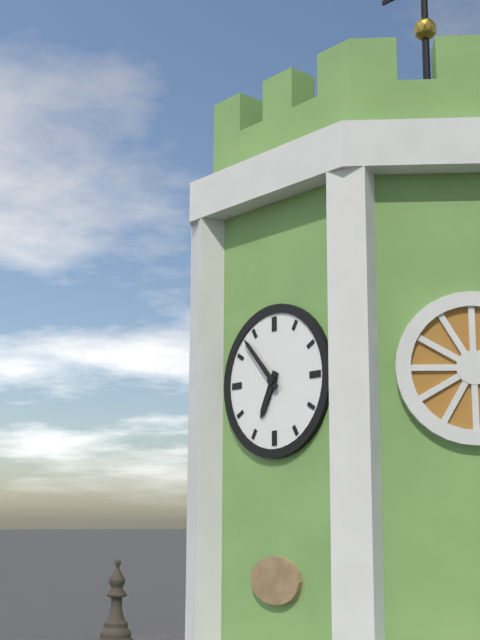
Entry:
h=6 m=53
